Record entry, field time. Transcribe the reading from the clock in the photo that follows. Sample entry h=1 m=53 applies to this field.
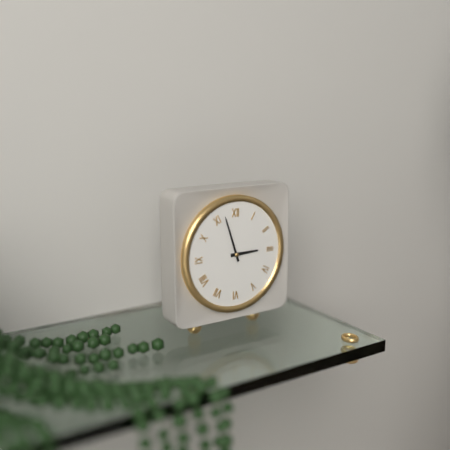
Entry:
h=2 m=57
